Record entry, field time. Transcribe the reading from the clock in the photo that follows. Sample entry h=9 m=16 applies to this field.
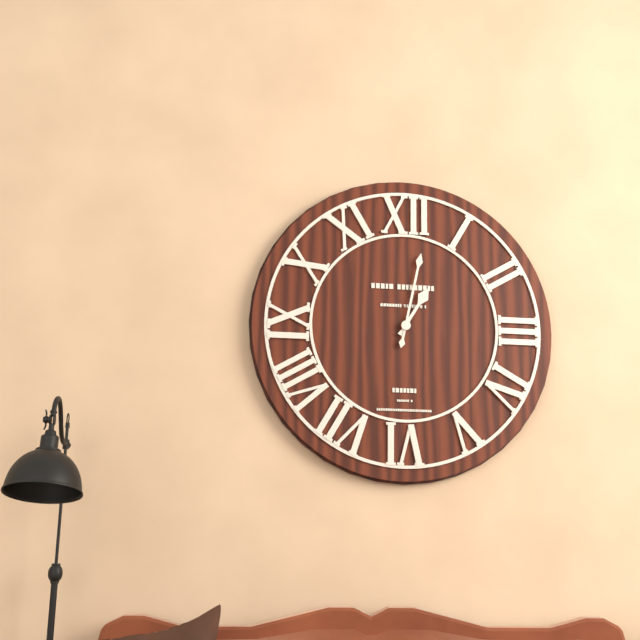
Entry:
h=1 m=2
